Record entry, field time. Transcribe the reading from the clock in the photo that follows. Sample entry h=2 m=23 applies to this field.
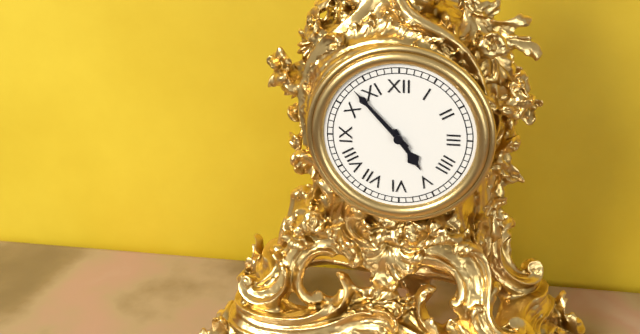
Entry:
h=4 m=53
